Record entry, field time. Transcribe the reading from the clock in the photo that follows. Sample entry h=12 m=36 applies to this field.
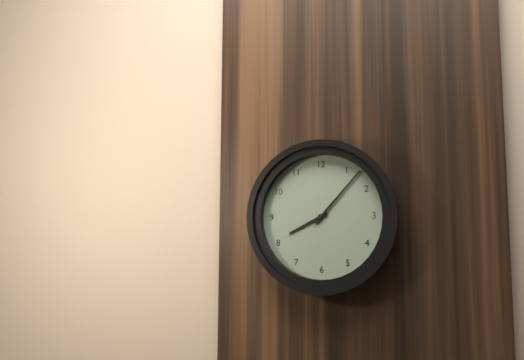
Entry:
h=8 m=7
